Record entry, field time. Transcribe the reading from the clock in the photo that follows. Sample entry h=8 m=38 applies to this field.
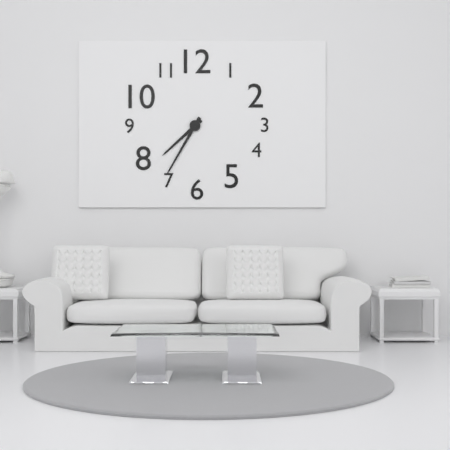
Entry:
h=7 m=35
